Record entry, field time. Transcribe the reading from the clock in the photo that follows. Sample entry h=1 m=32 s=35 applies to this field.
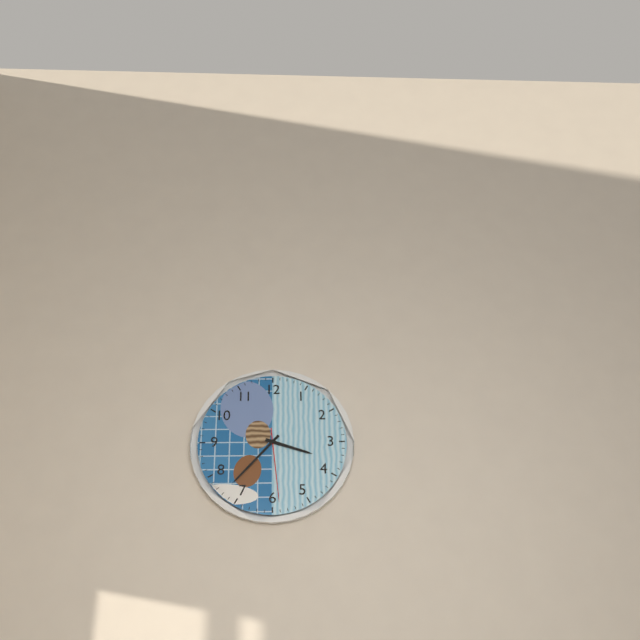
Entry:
h=3 m=37 s=29
